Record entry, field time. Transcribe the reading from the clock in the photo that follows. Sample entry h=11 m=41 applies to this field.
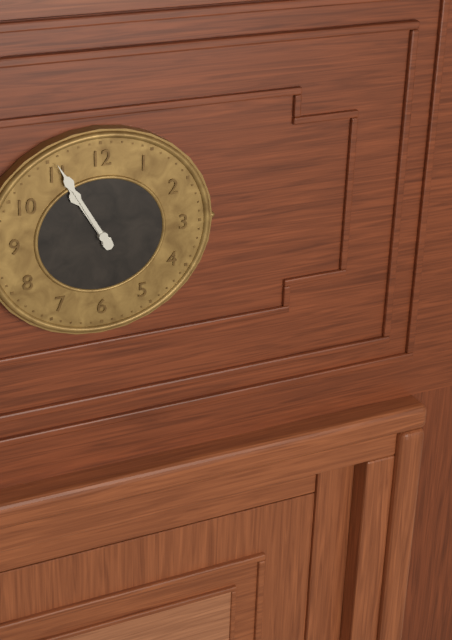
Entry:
h=10 m=55
